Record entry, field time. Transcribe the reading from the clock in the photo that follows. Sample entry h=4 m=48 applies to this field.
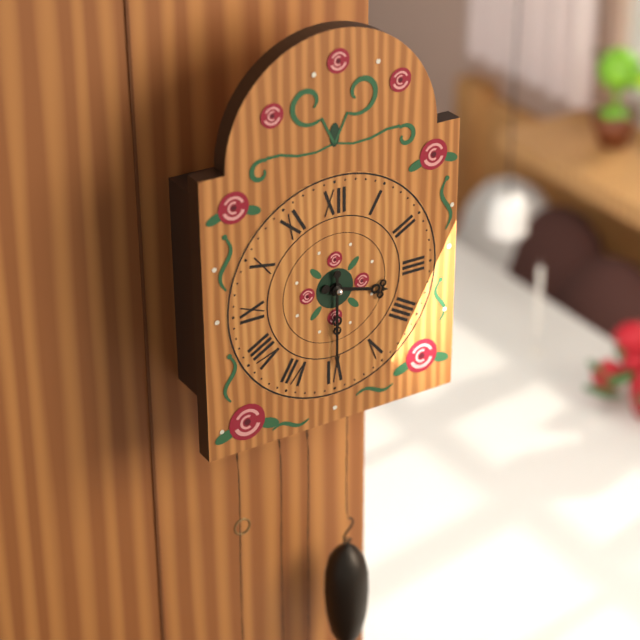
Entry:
h=3 m=30
